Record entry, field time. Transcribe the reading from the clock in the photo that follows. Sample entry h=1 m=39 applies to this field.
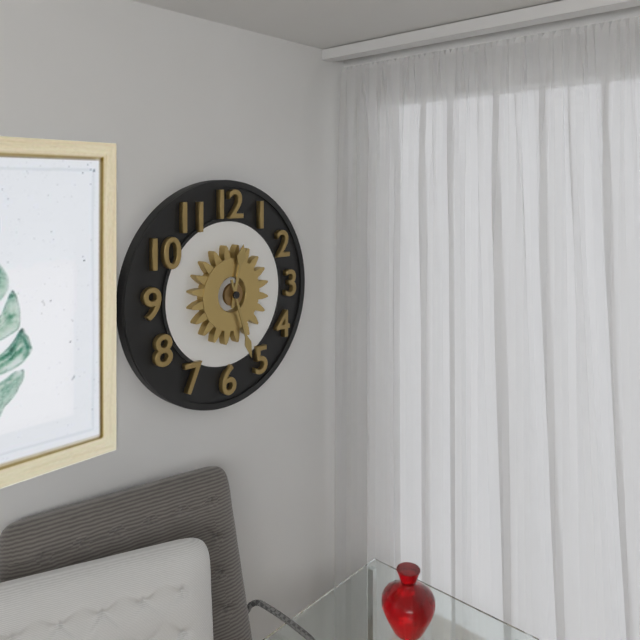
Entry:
h=12 m=27
